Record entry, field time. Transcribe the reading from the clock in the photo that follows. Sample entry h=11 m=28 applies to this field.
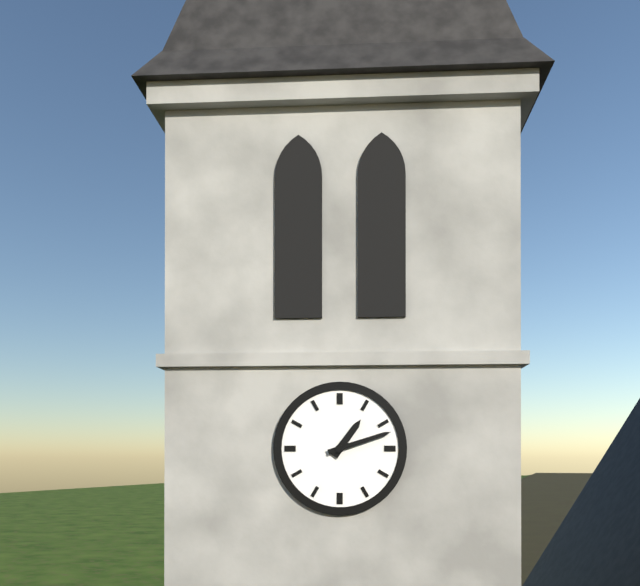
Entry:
h=1 m=12
